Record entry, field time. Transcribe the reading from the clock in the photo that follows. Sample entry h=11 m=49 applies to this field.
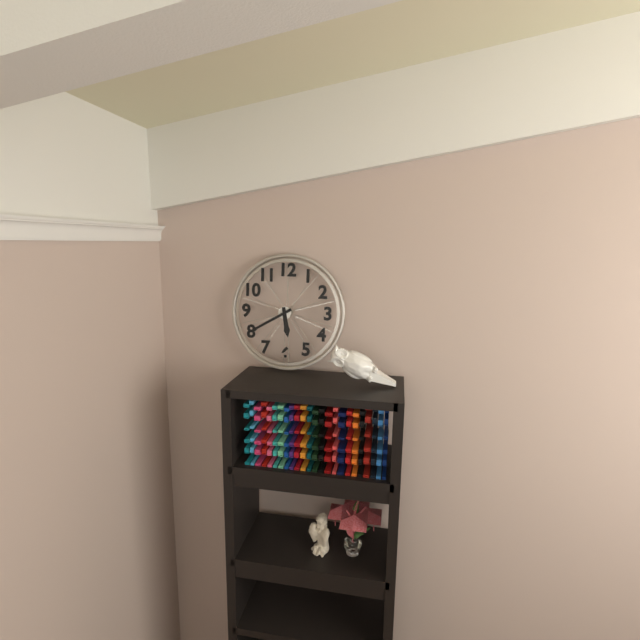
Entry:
h=5 m=40
